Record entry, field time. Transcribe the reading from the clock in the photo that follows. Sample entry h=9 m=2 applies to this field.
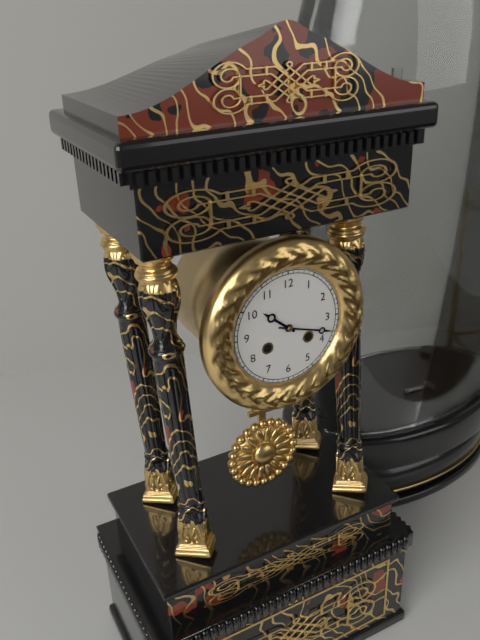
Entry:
h=10 m=18
